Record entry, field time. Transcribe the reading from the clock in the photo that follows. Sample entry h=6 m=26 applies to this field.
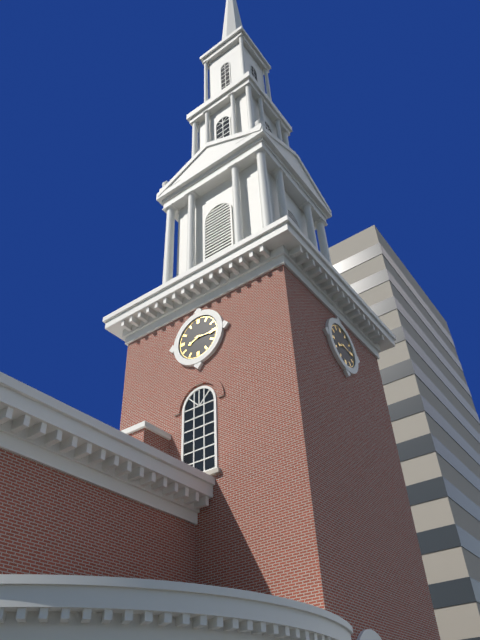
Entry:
h=8 m=16
